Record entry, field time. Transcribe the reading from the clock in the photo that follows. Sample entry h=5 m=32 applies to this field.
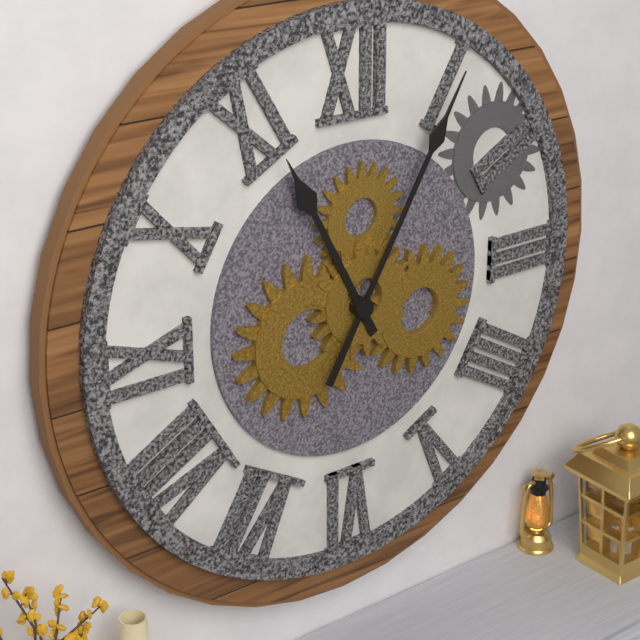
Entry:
h=11 m=5
